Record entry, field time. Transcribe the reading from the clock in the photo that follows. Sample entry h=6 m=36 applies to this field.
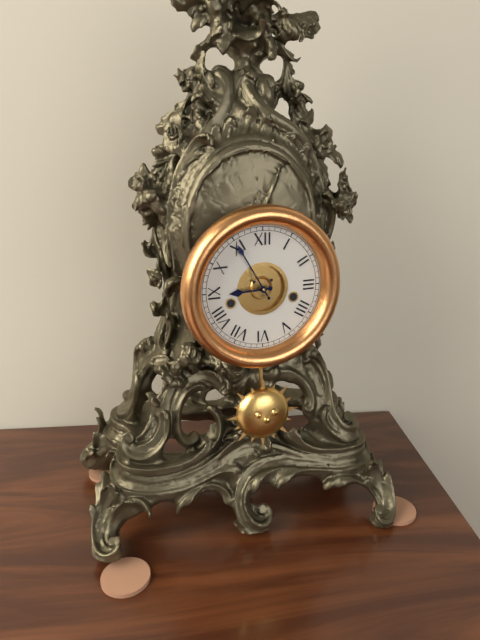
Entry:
h=8 m=55
